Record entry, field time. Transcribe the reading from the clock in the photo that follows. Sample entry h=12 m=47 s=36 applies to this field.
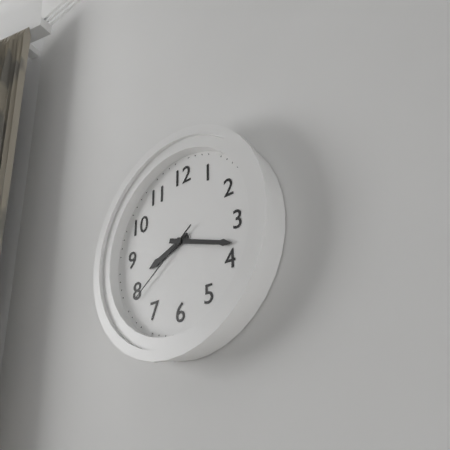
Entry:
h=8 m=18 s=39
